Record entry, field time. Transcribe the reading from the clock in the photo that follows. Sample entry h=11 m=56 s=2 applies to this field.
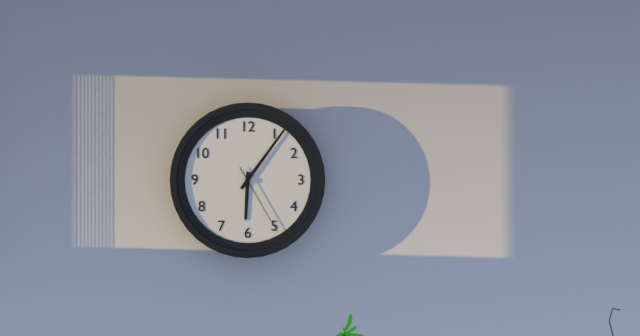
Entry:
h=6 m=6 s=25
